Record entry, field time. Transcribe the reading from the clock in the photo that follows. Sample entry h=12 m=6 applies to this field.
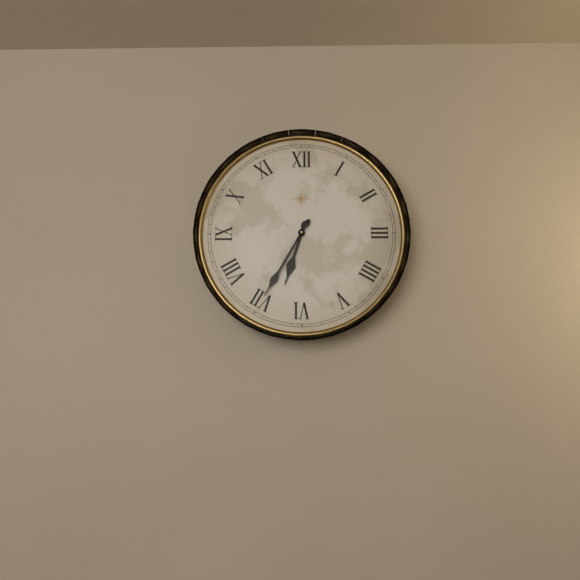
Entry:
h=6 m=35
